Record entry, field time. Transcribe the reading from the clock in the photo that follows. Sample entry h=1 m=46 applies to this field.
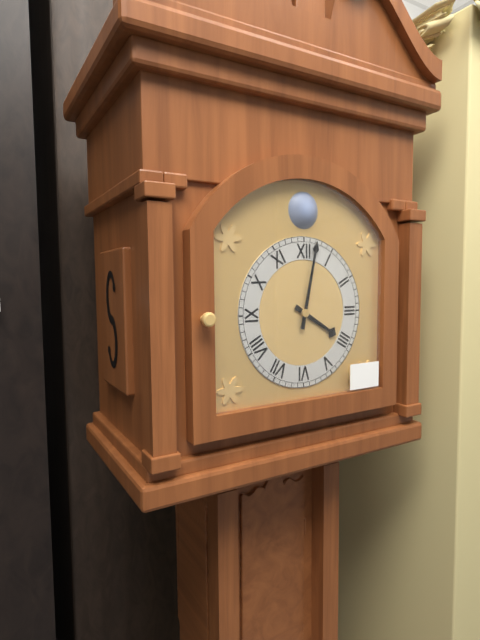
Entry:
h=4 m=2
